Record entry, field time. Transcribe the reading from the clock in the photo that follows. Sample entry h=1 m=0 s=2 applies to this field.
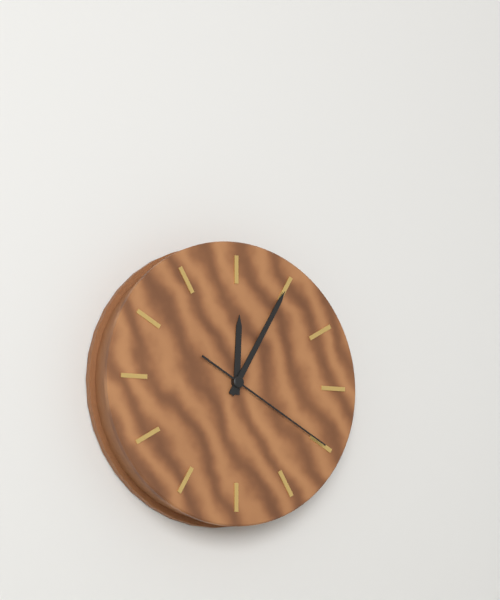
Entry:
h=12 m=5 s=20
